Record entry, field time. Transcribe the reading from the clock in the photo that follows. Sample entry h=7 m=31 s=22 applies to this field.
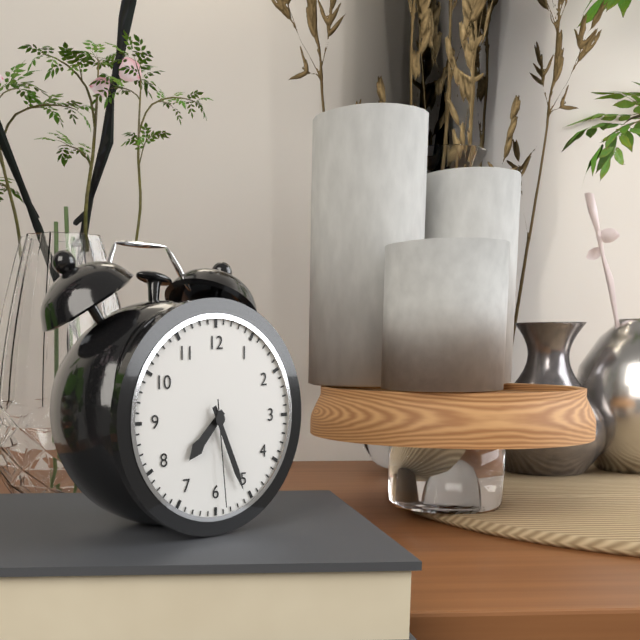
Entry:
h=7 m=26 s=29
